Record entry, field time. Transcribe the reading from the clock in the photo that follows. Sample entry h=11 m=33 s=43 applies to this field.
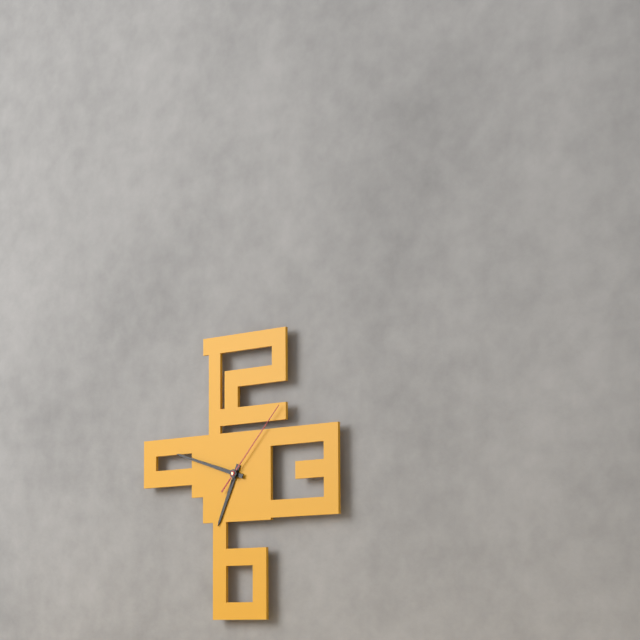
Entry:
h=6 m=48 s=7
